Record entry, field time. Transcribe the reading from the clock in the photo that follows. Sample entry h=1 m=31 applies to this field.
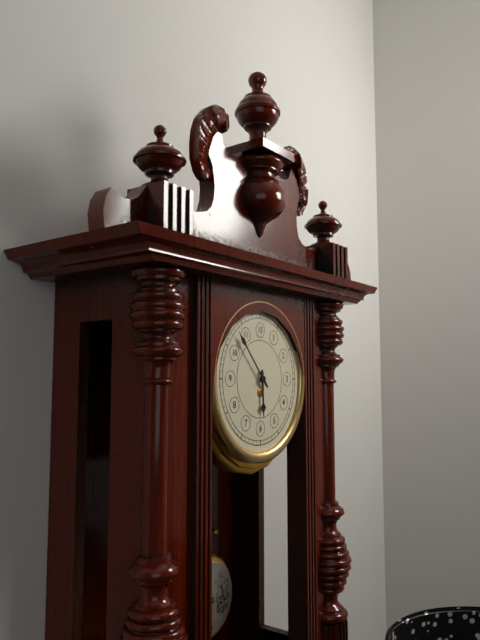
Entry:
h=5 m=53
